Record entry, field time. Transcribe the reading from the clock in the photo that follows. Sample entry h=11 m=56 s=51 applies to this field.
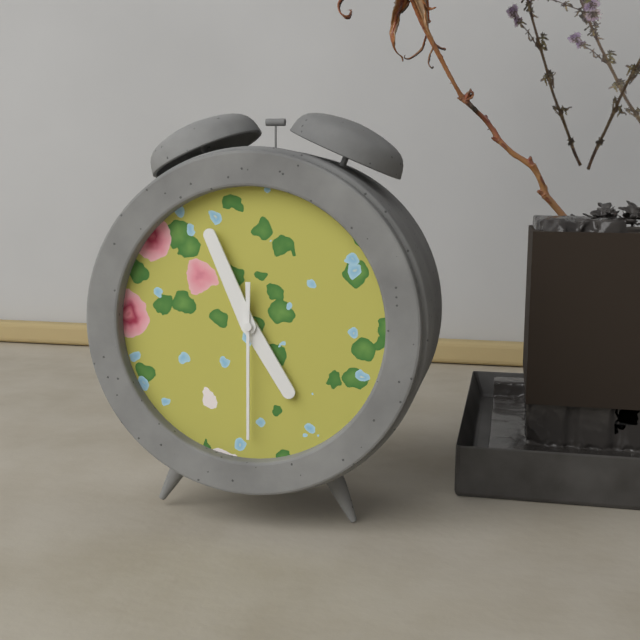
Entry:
h=4 m=56 s=30
